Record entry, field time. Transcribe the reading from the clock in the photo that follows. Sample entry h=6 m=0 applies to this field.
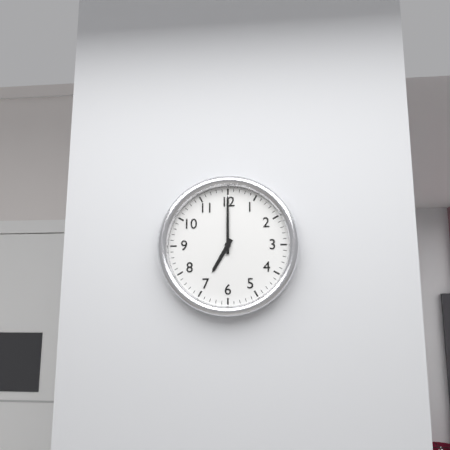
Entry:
h=7 m=0
